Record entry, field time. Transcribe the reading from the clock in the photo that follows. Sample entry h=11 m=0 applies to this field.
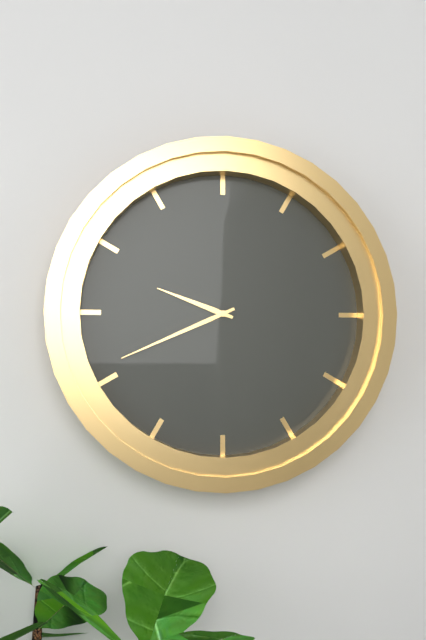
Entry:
h=9 m=41
